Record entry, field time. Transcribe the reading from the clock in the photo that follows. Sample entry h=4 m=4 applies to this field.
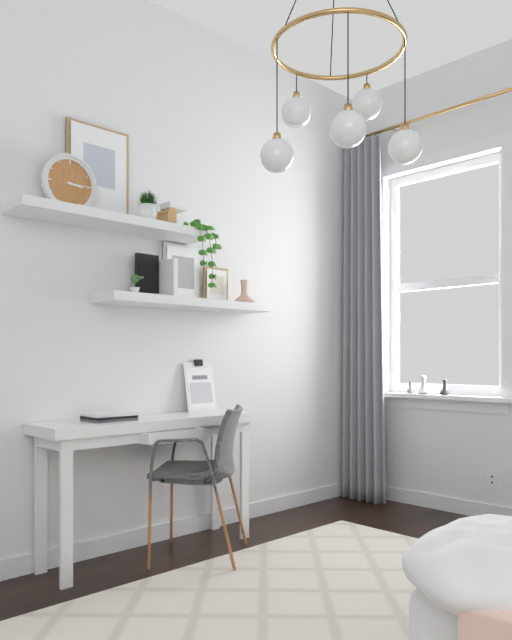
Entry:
h=3 m=15
